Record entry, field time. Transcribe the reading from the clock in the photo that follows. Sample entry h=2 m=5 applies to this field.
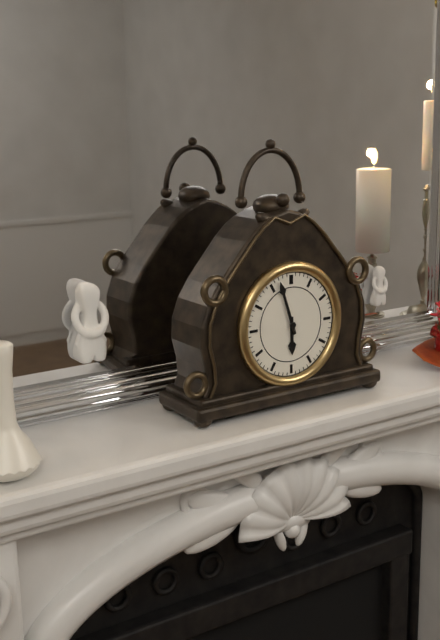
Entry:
h=5 m=57
